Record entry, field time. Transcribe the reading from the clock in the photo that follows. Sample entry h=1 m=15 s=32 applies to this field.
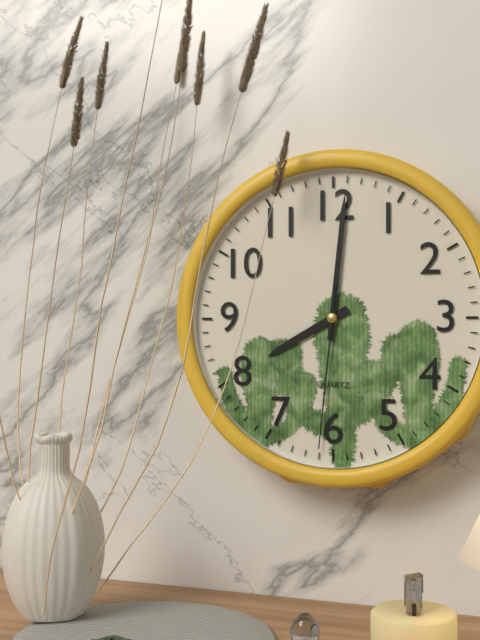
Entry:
h=8 m=1 s=31
